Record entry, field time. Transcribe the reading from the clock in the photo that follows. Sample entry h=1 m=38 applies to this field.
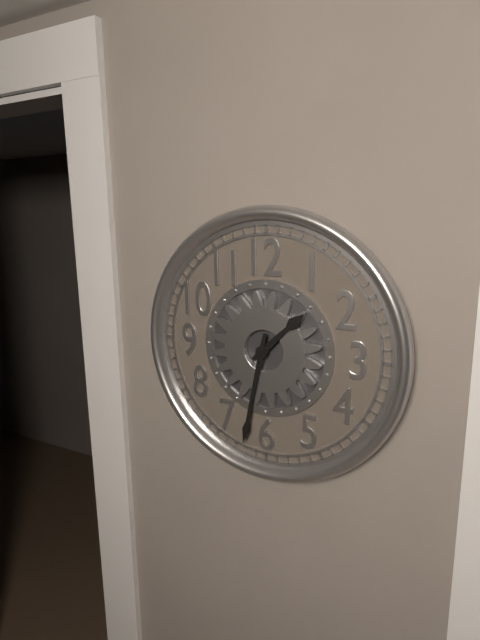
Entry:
h=1 m=32
